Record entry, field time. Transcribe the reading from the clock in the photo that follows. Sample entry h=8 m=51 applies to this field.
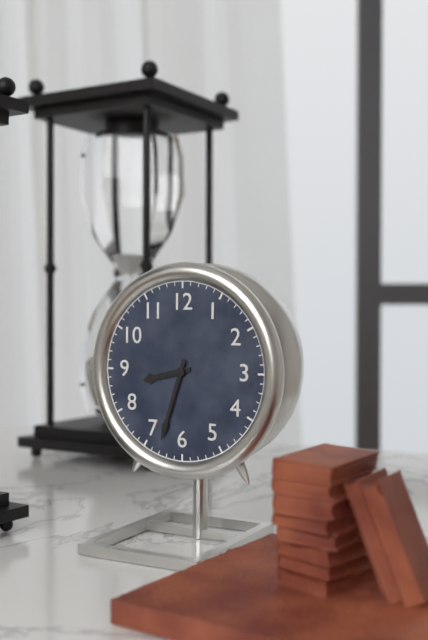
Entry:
h=8 m=33
